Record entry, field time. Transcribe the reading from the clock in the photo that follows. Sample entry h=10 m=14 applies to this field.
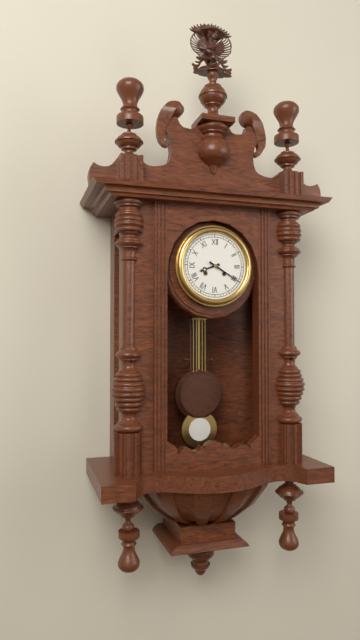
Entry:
h=8 m=20
